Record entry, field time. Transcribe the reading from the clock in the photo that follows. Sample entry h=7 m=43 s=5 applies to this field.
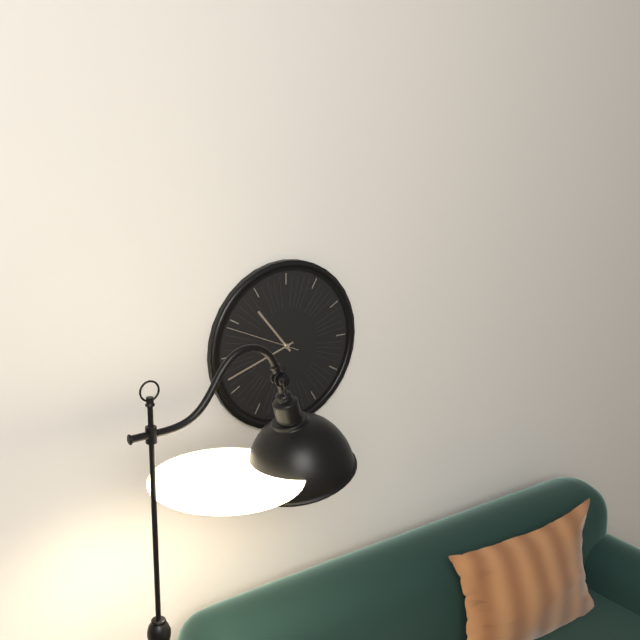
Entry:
h=10 m=42 s=49
